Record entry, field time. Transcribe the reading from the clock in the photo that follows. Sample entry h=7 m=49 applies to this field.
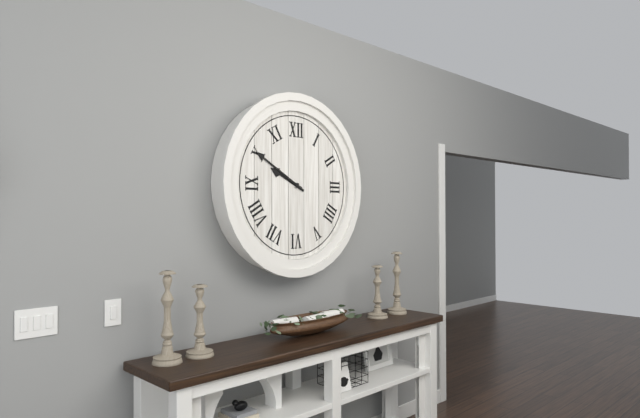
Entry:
h=9 m=50
